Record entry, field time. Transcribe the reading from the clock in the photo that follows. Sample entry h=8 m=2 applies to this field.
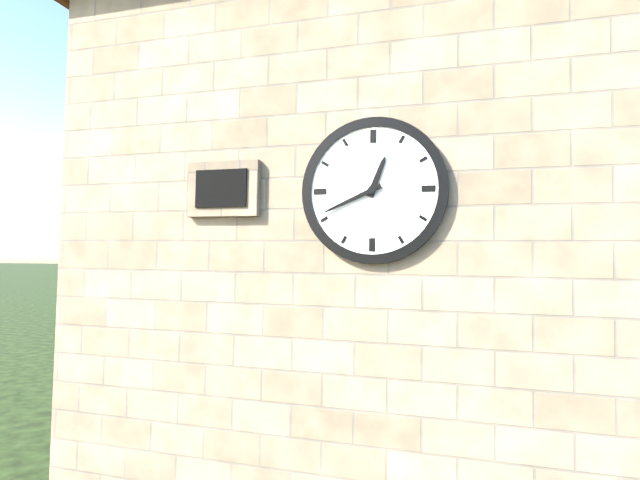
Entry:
h=12 m=41
